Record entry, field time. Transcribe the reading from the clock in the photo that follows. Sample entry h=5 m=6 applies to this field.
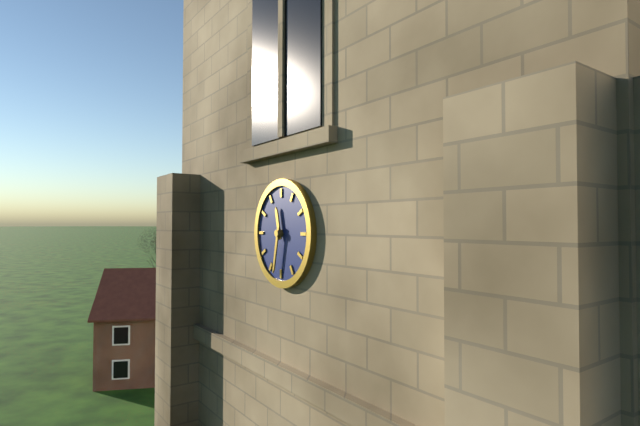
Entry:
h=11 m=32
